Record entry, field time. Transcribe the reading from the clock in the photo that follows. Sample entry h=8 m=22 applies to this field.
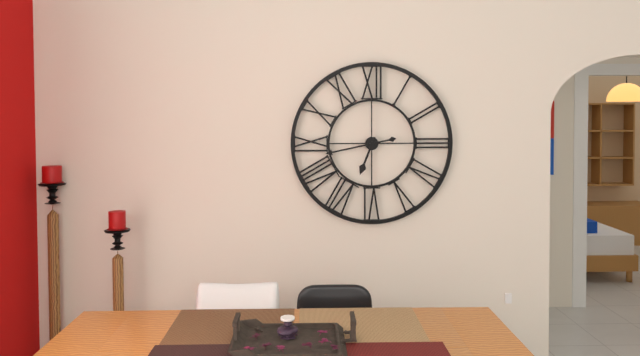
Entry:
h=6 m=43
